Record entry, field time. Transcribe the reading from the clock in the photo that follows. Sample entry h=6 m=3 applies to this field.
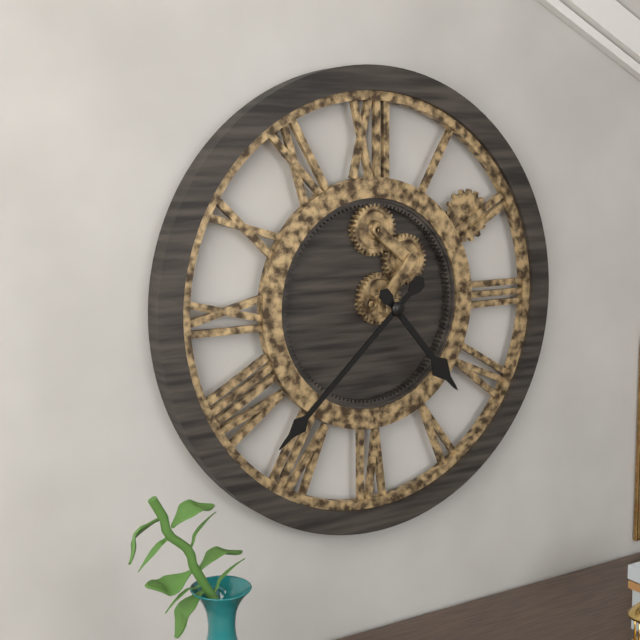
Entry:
h=4 m=38
